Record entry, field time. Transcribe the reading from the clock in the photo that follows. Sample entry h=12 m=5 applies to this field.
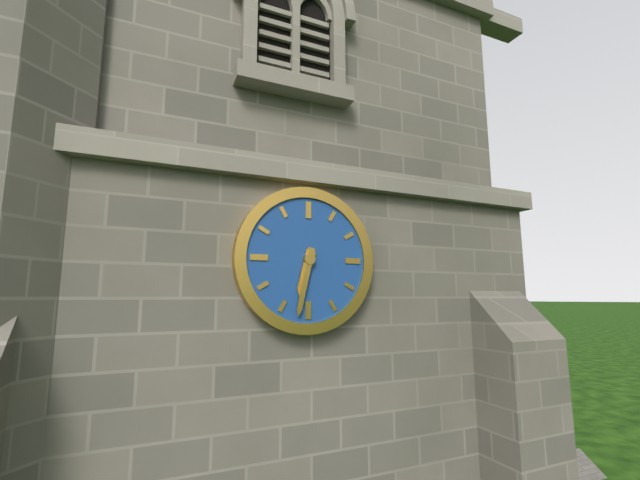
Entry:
h=6 m=32
